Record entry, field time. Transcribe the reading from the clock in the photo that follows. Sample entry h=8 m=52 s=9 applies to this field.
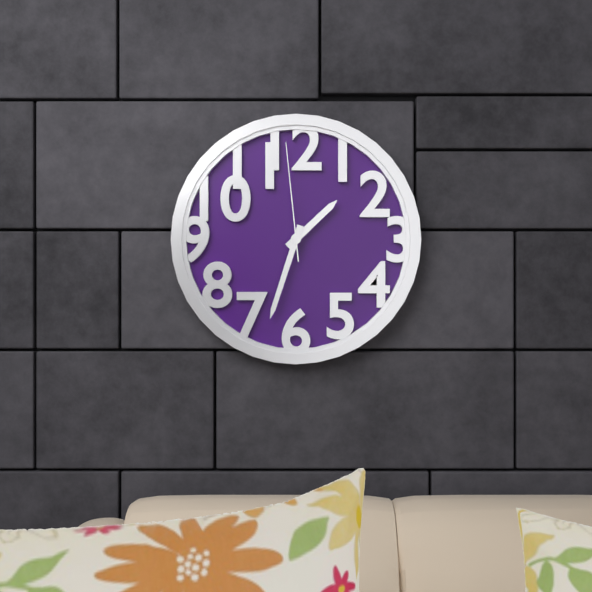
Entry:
h=1 m=33 s=59
